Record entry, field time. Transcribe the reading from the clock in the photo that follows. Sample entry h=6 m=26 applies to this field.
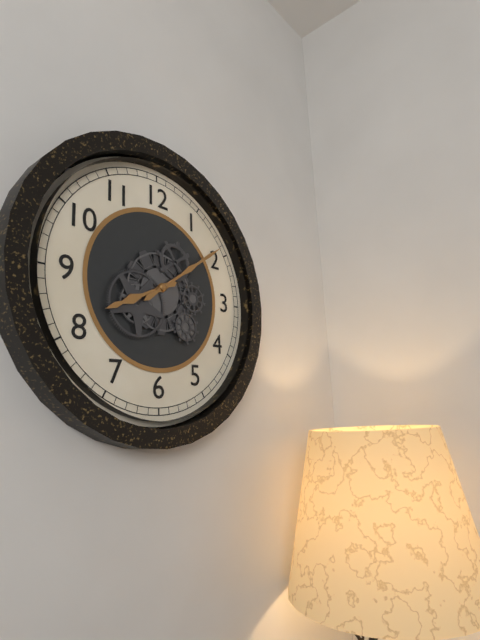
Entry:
h=8 m=9
